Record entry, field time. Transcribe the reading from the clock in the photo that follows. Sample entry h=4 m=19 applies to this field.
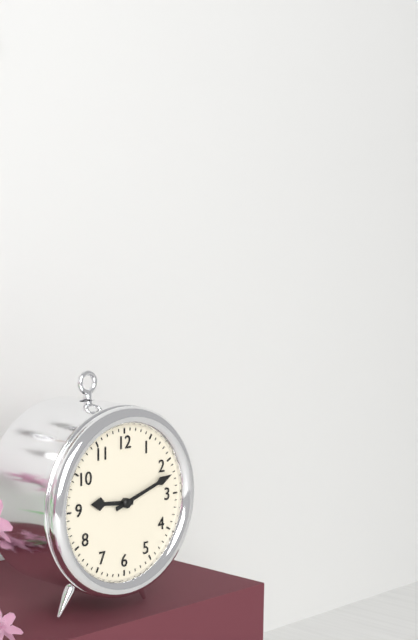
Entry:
h=9 m=12
